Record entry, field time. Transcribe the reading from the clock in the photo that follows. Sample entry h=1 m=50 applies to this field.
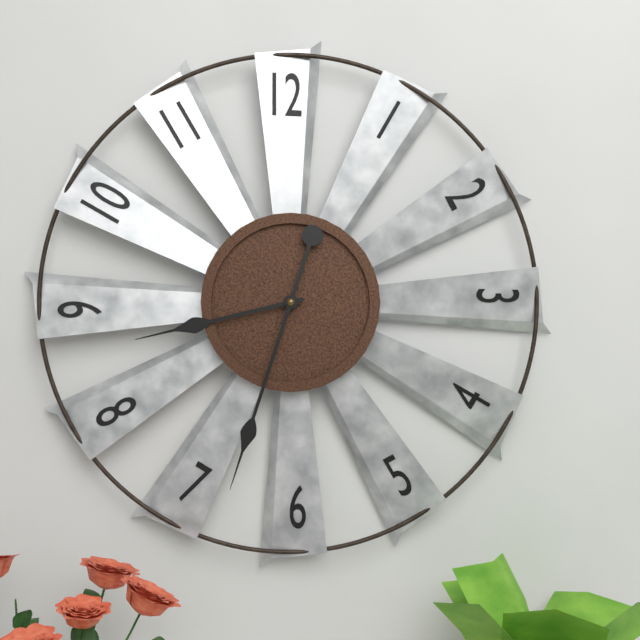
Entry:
h=8 m=33
